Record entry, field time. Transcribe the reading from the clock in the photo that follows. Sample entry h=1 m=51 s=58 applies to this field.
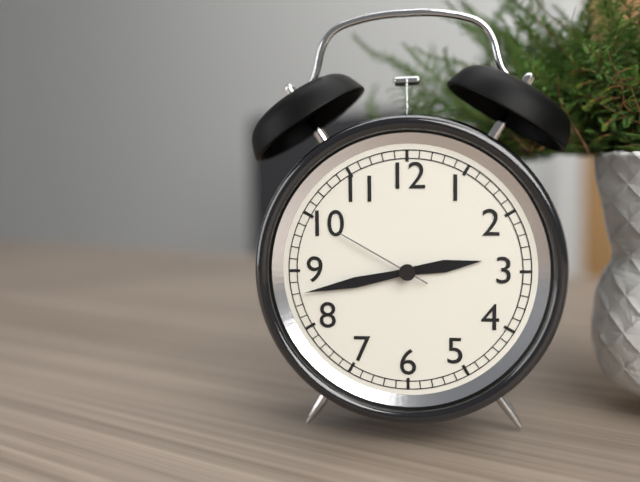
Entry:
h=2 m=43 s=50
